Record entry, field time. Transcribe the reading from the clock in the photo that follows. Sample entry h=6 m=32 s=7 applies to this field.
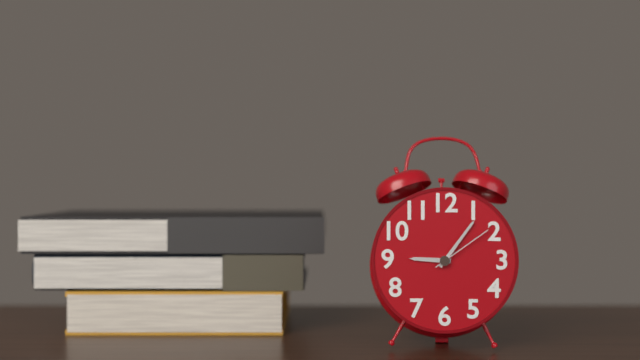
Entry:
h=9 m=6 s=9
